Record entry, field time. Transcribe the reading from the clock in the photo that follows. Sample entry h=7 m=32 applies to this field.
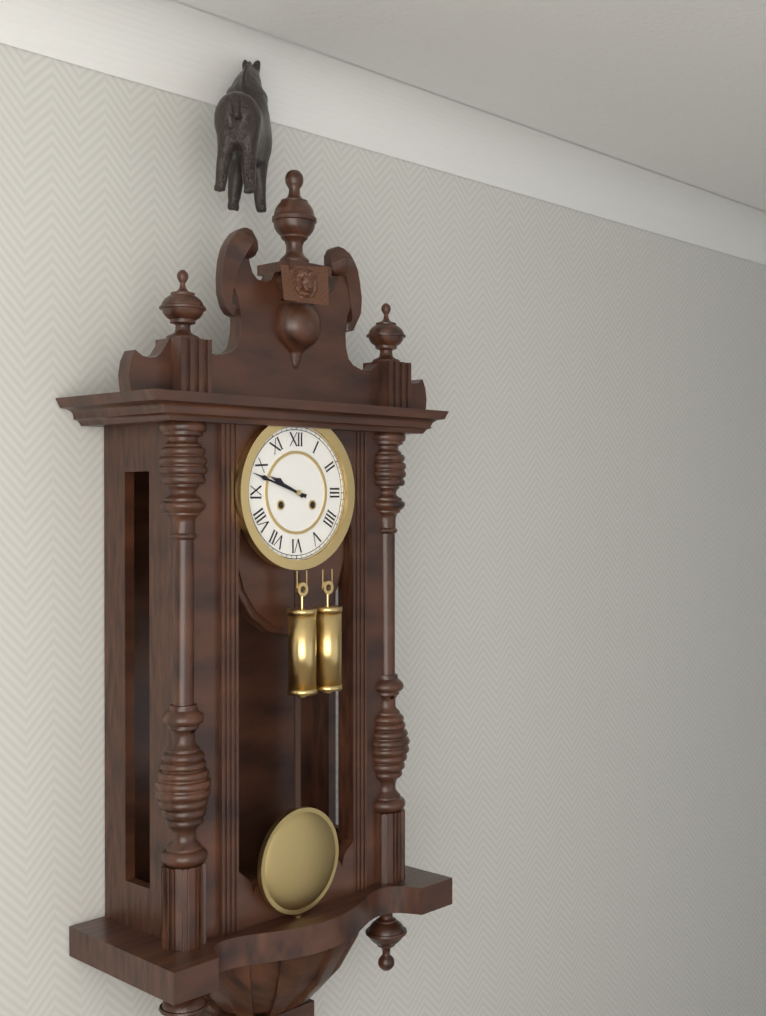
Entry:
h=9 m=48
